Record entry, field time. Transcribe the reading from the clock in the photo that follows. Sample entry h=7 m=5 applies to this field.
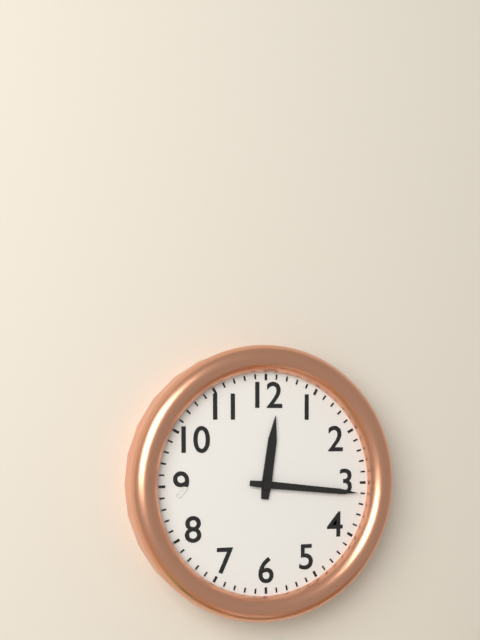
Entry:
h=12 m=16
